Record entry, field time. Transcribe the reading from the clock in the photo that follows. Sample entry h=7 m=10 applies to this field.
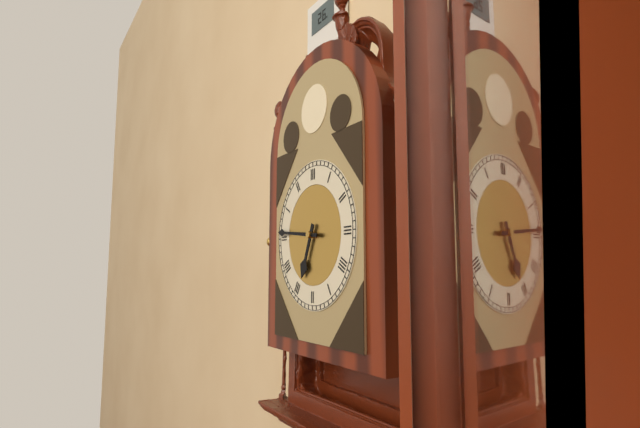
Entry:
h=6 m=46
